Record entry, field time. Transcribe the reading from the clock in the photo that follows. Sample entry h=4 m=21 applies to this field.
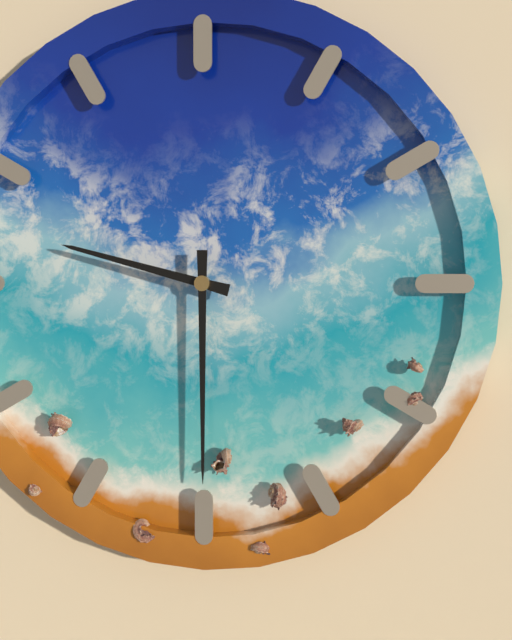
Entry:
h=9 m=30
